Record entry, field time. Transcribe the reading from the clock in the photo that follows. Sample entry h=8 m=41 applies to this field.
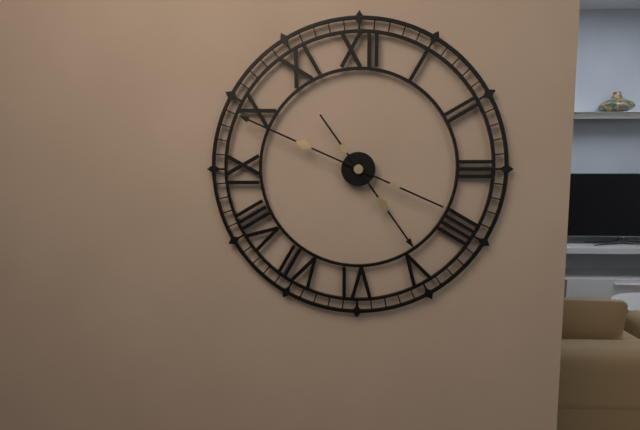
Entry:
h=4 m=49
